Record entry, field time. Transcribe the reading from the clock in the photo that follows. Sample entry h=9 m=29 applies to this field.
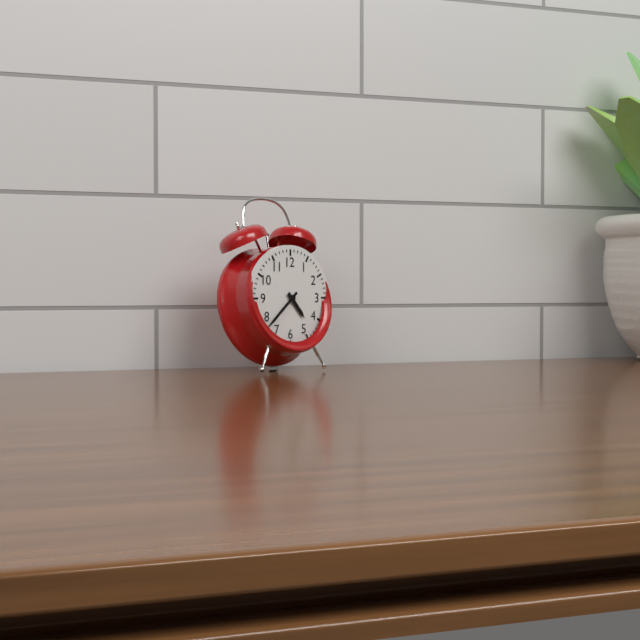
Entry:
h=4 m=38
